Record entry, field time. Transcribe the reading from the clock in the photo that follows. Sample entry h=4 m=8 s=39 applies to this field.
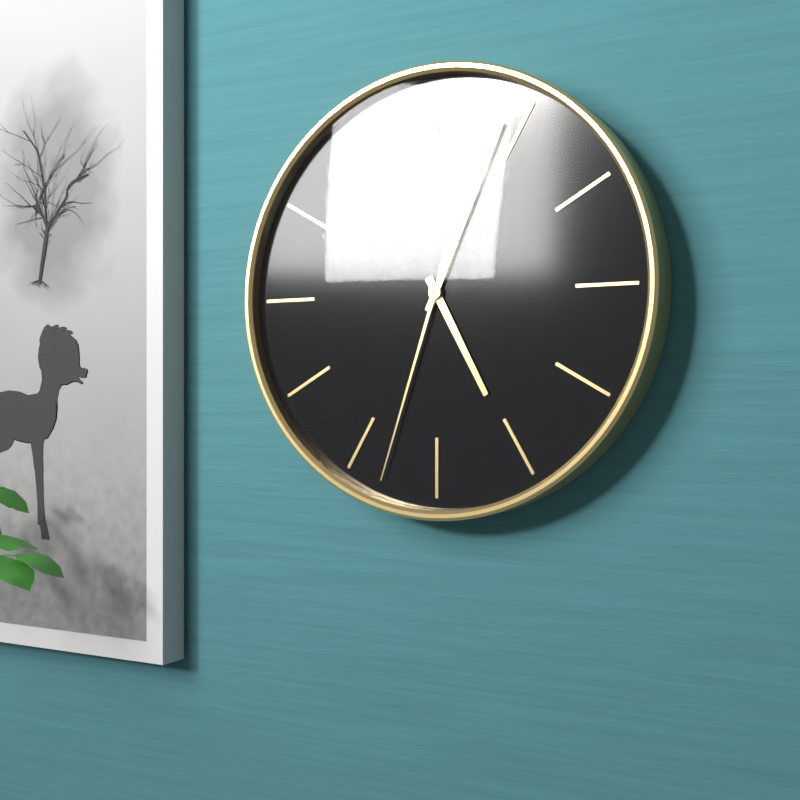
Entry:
h=5 m=4 s=33
